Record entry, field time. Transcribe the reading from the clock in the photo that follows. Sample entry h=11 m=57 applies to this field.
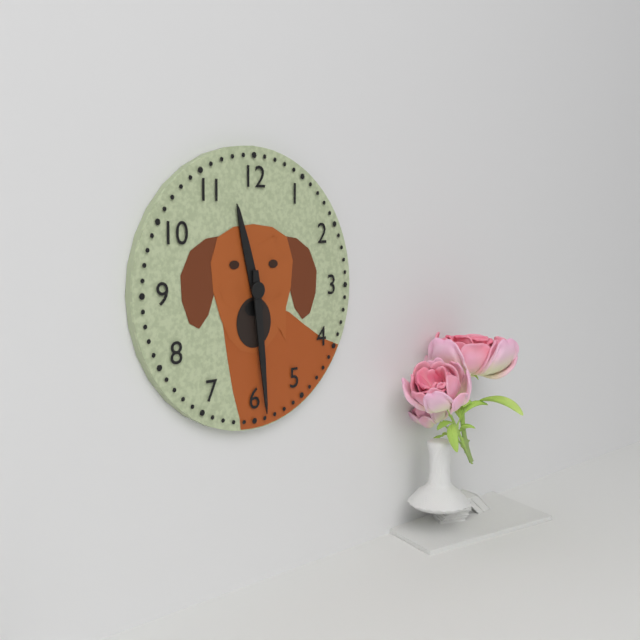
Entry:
h=11 m=29
